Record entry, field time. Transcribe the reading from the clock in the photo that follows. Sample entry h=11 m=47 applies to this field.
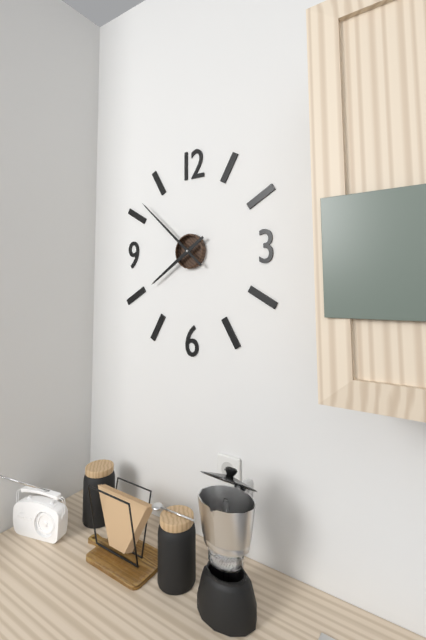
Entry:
h=7 m=52
